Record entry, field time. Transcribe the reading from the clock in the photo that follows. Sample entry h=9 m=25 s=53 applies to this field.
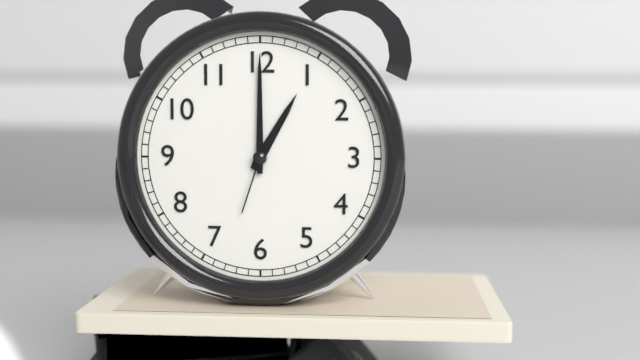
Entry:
h=1 m=0 s=33
